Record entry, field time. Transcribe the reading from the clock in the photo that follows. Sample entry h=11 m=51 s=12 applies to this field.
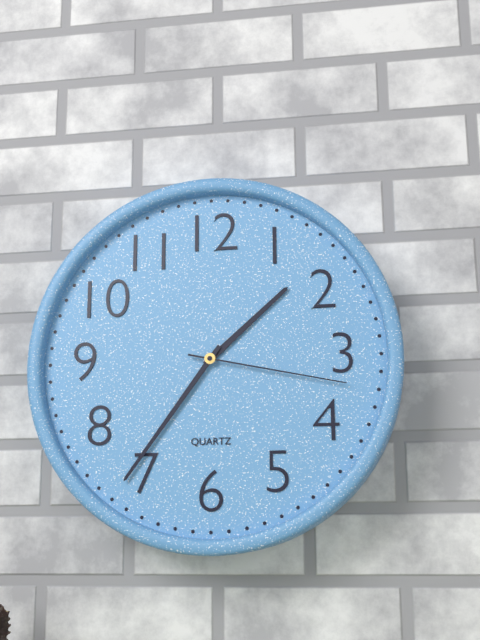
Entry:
h=1 m=36 s=17
